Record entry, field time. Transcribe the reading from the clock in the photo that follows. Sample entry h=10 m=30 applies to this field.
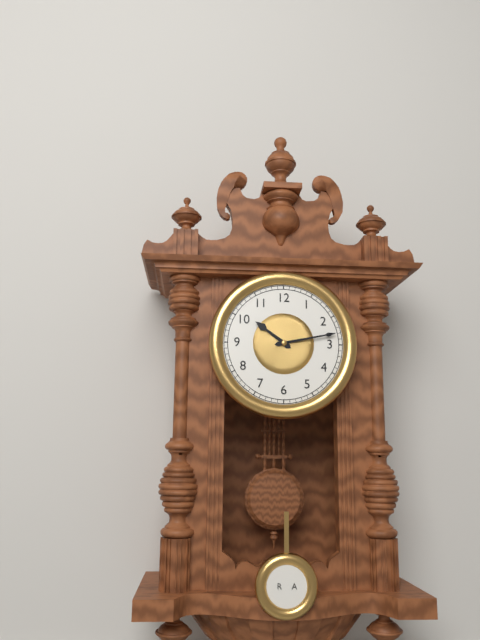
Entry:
h=10 m=13
